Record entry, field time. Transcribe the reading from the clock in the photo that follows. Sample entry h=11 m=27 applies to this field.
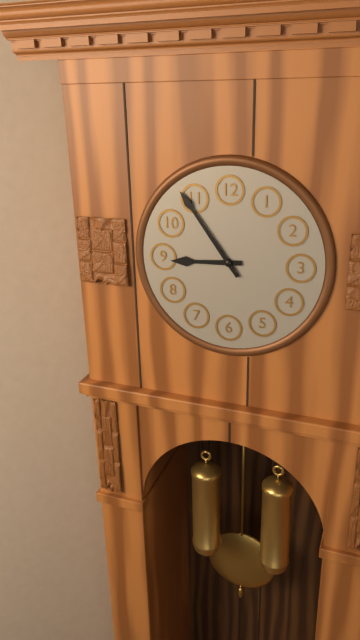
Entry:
h=8 m=54
